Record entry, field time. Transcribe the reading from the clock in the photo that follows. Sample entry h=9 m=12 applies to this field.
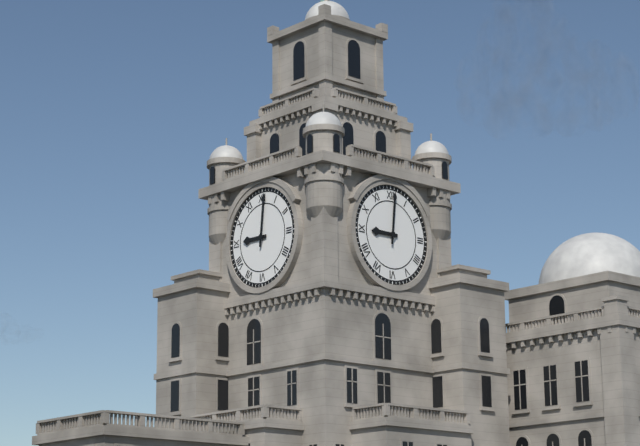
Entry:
h=9 m=1
